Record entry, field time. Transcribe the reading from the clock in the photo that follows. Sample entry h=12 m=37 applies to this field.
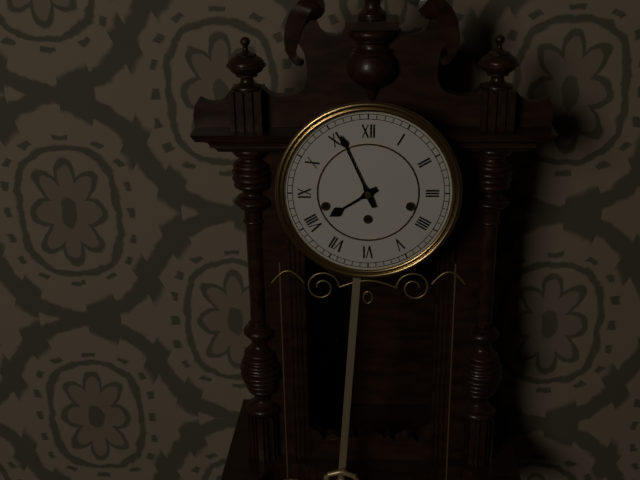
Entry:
h=7 m=56
